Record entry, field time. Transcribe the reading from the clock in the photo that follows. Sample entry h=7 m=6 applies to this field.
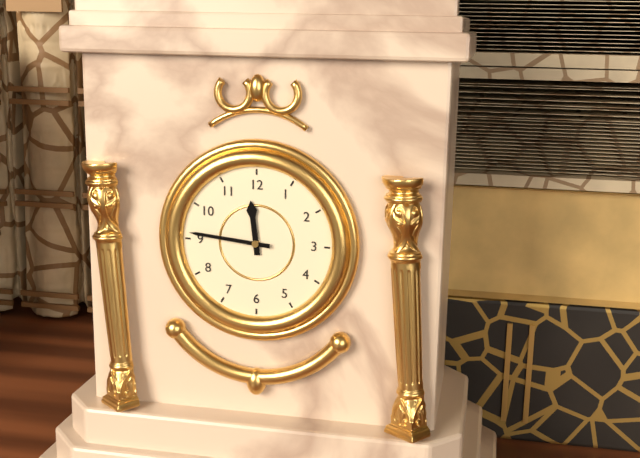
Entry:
h=11 m=46
